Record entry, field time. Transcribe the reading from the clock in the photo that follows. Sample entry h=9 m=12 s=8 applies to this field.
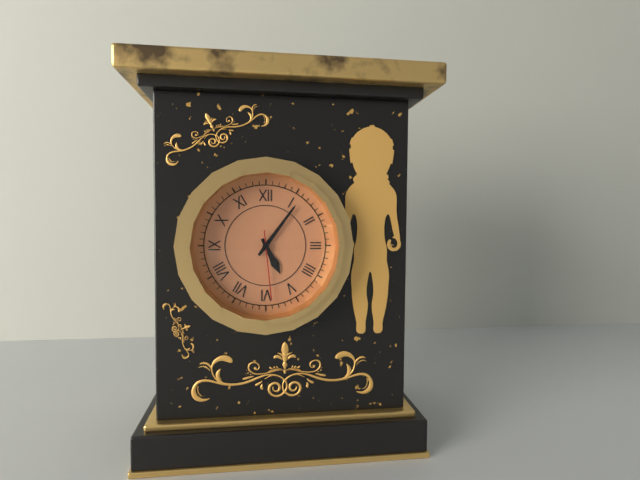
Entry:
h=5 m=6 s=29
